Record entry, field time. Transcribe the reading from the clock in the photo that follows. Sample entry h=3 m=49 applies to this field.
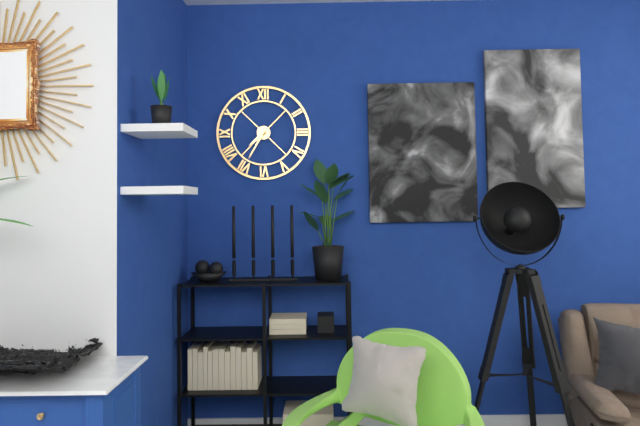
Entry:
h=7 m=35
